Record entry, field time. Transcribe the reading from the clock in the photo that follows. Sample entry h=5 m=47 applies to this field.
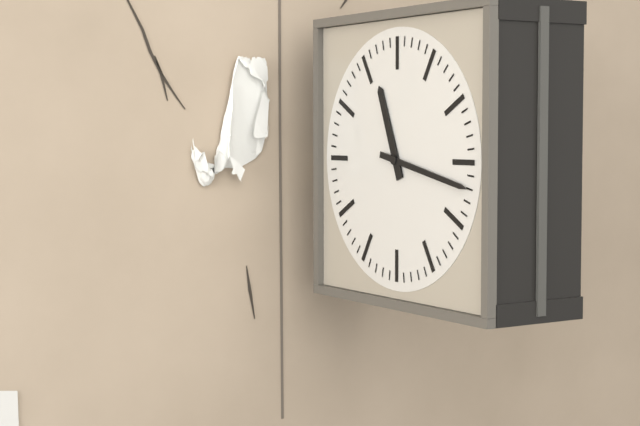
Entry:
h=11 m=17
